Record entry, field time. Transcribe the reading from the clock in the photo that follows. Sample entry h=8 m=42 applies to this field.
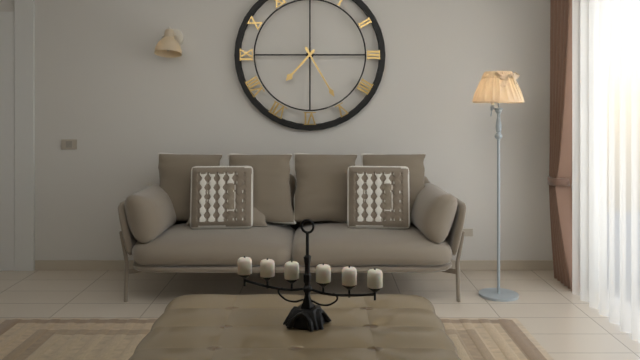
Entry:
h=7 m=25
